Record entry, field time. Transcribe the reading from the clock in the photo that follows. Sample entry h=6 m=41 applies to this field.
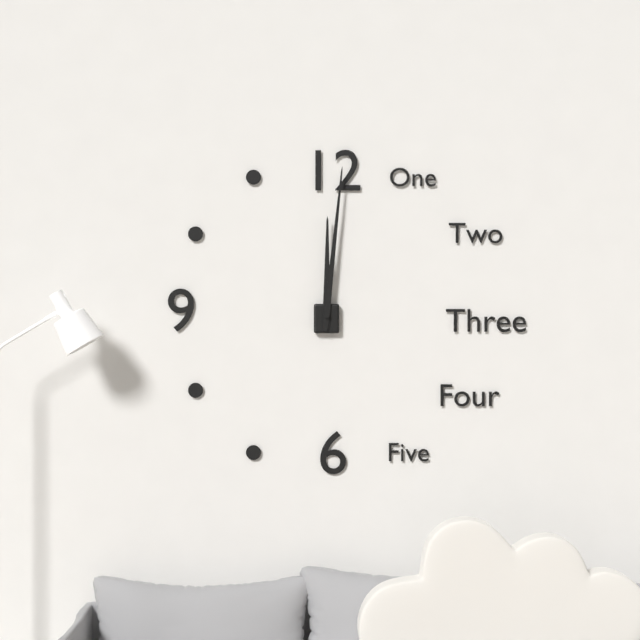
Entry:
h=12 m=1
